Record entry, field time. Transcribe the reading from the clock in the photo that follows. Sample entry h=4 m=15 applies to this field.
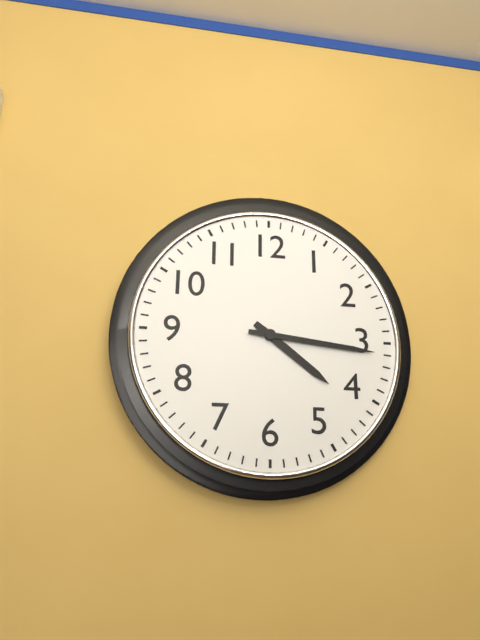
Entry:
h=4 m=16
